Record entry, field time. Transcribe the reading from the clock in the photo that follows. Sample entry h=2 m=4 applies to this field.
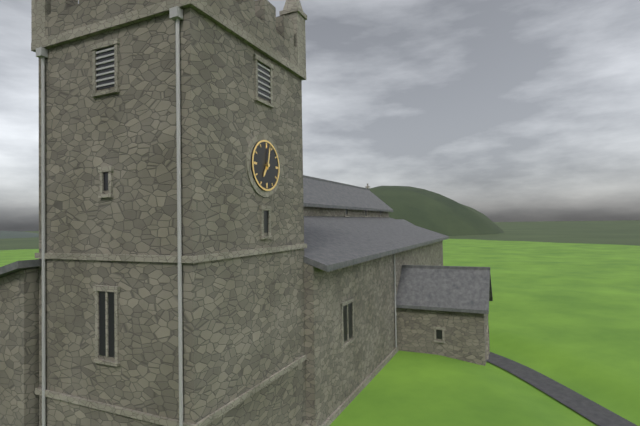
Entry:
h=7 m=2
